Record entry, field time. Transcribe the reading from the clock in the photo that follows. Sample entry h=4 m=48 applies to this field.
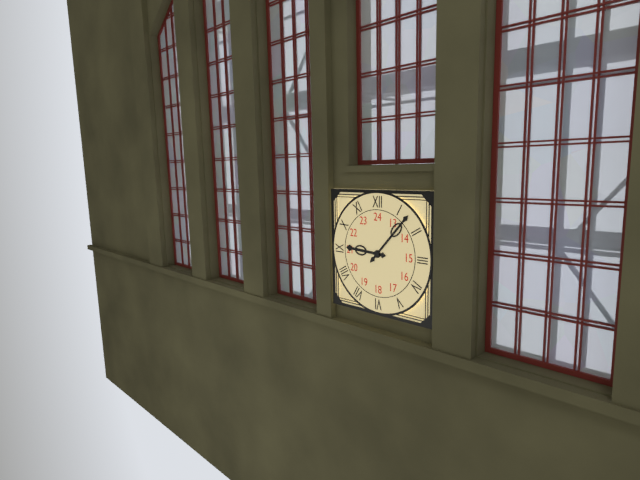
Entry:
h=9 m=7
